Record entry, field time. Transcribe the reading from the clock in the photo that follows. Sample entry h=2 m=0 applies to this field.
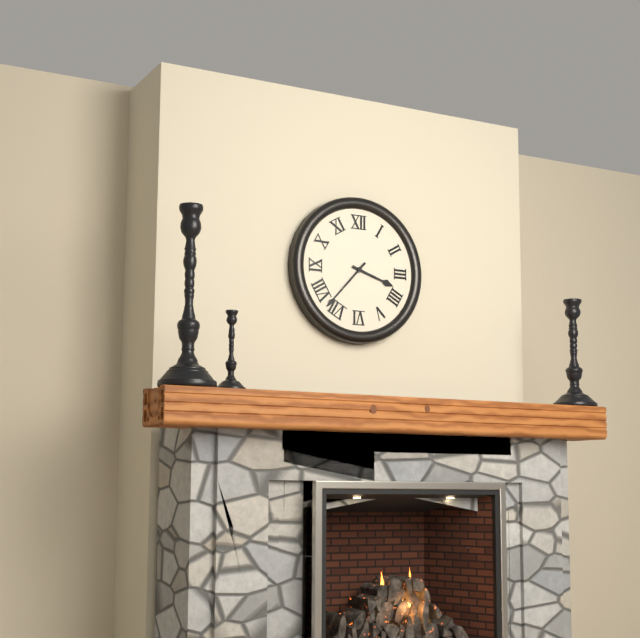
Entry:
h=3 m=37
